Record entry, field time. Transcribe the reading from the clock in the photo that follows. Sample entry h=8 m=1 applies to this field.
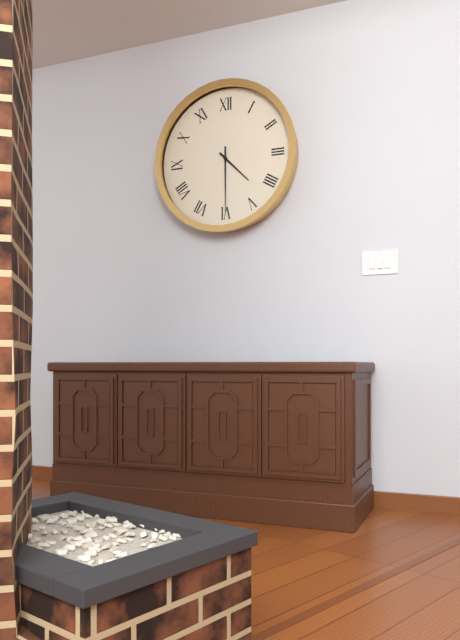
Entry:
h=4 m=30
